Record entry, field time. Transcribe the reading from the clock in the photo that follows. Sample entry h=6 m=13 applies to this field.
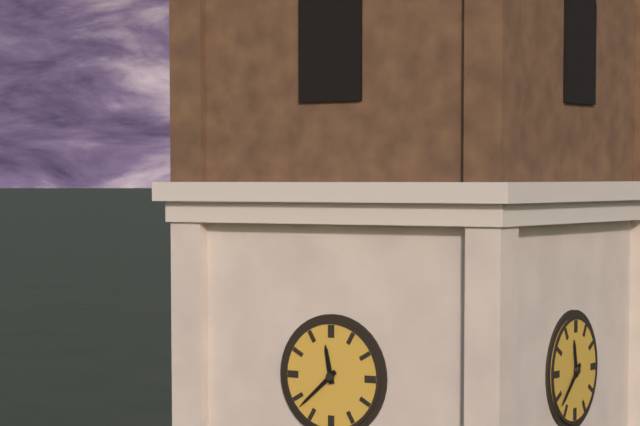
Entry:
h=11 m=38
